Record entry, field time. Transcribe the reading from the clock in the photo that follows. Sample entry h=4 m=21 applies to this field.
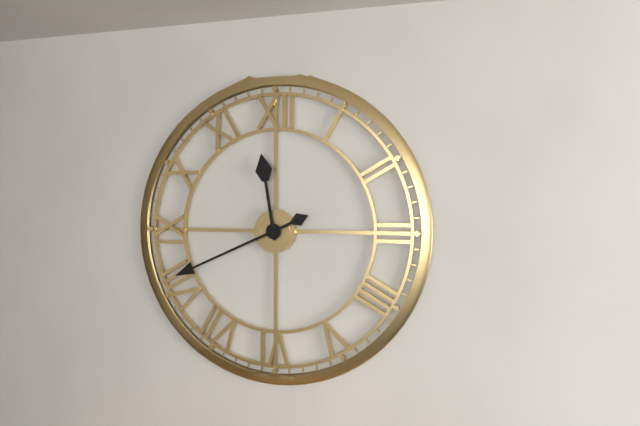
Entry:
h=11 m=41
